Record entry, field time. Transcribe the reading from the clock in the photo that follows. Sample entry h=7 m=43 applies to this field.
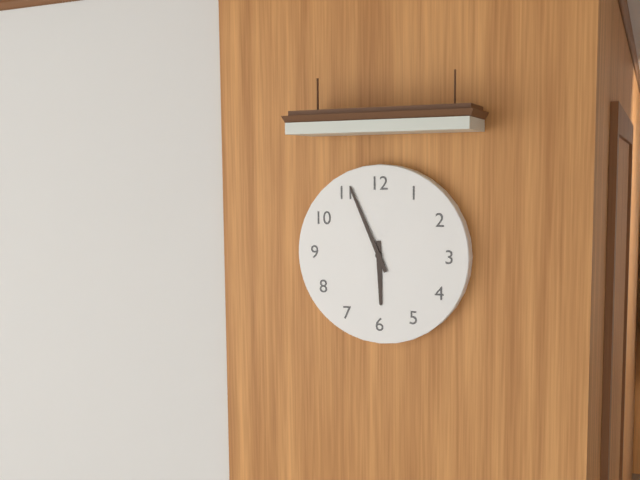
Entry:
h=5 m=56
